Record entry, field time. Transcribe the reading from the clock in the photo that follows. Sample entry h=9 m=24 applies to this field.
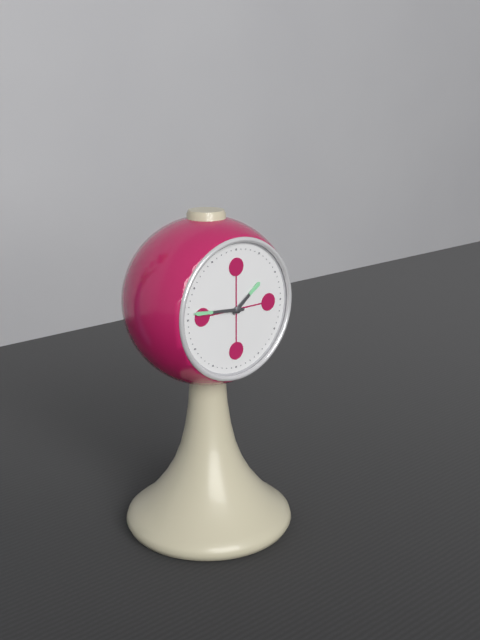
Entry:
h=1 m=46
